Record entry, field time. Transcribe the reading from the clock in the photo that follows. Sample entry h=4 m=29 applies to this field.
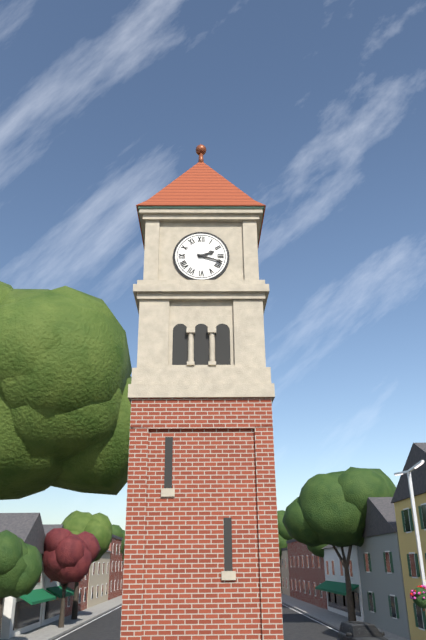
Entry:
h=2 m=18
